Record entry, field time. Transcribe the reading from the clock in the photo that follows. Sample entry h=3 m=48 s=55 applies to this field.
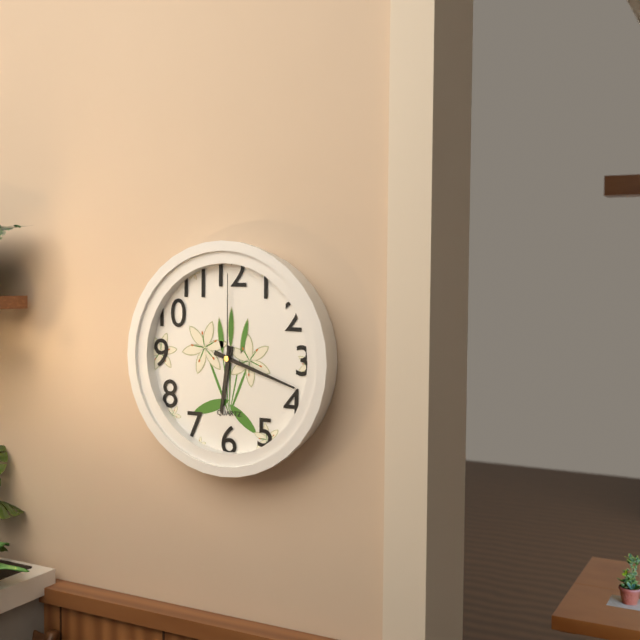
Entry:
h=6 m=18 s=0
